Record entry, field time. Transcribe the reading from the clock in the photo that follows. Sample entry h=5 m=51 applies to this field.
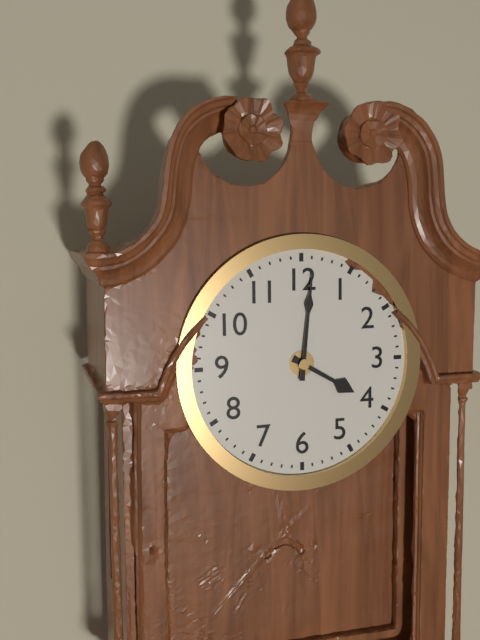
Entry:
h=4 m=1
